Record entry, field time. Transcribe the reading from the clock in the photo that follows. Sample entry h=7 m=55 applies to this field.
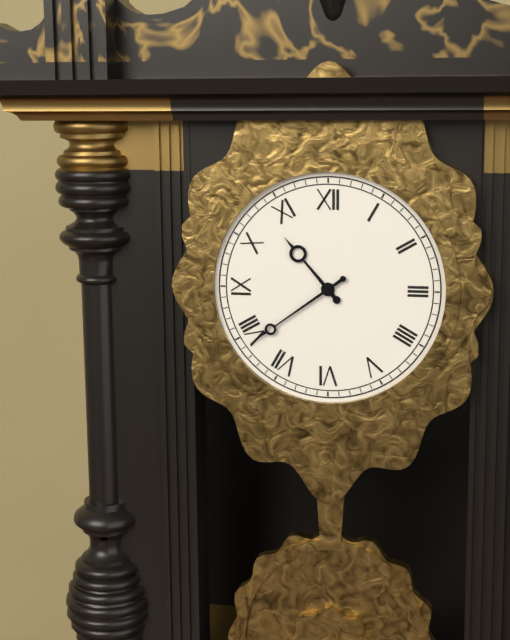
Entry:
h=10 m=39
